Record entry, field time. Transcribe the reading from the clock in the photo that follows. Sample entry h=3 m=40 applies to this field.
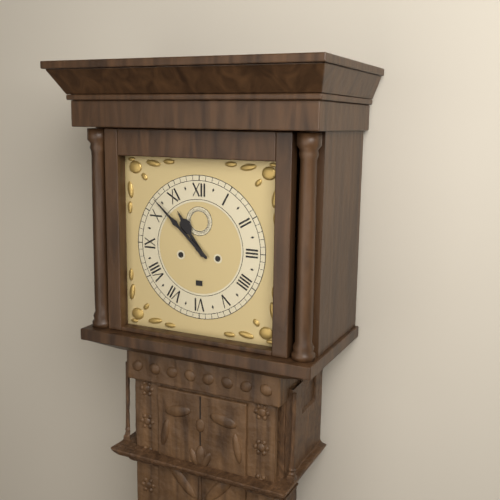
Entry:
h=10 m=52
